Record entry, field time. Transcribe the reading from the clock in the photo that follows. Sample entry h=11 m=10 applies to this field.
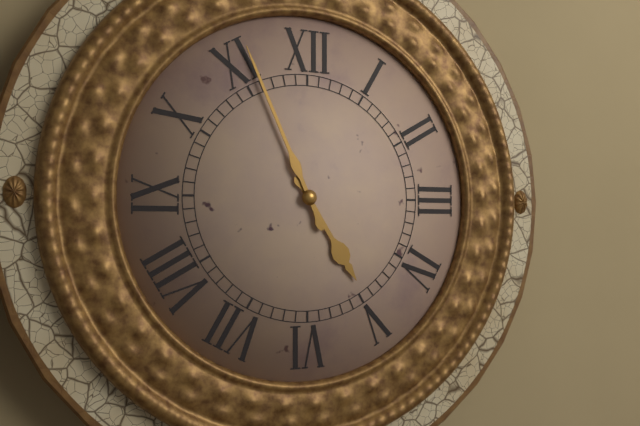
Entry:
h=4 m=56
